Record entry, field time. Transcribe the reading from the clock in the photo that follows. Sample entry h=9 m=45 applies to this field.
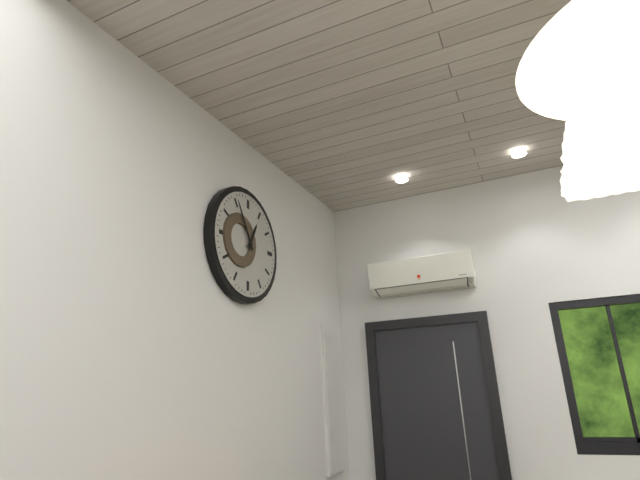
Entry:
h=12 m=55
